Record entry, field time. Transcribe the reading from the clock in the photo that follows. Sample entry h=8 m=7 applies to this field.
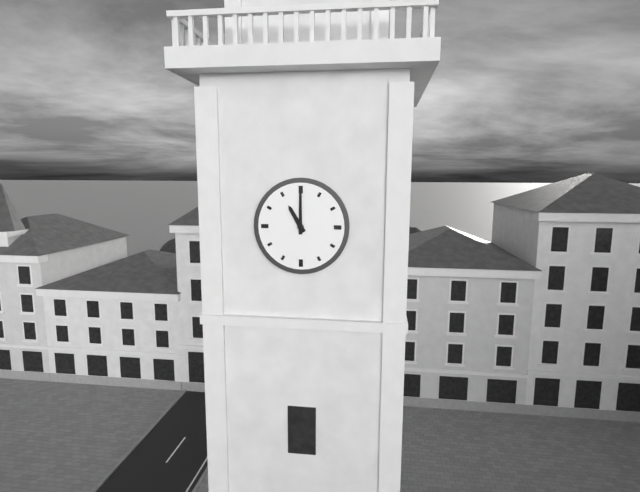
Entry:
h=11 m=0
